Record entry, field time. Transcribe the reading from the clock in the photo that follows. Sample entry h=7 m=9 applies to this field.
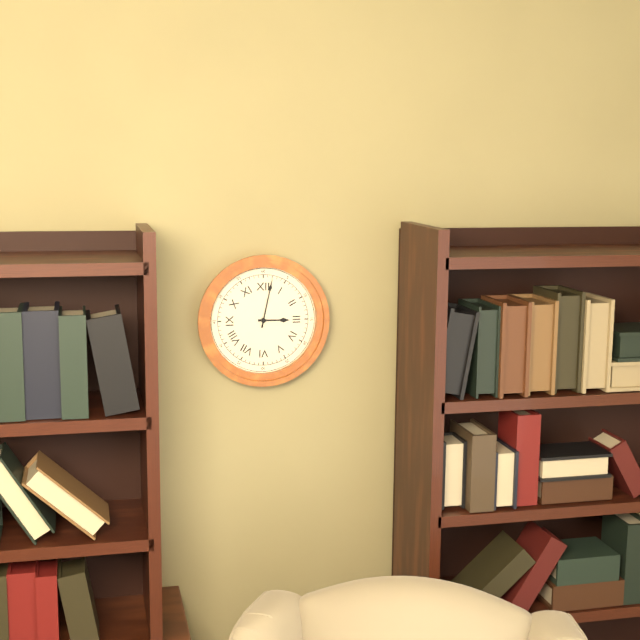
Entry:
h=3 m=2
